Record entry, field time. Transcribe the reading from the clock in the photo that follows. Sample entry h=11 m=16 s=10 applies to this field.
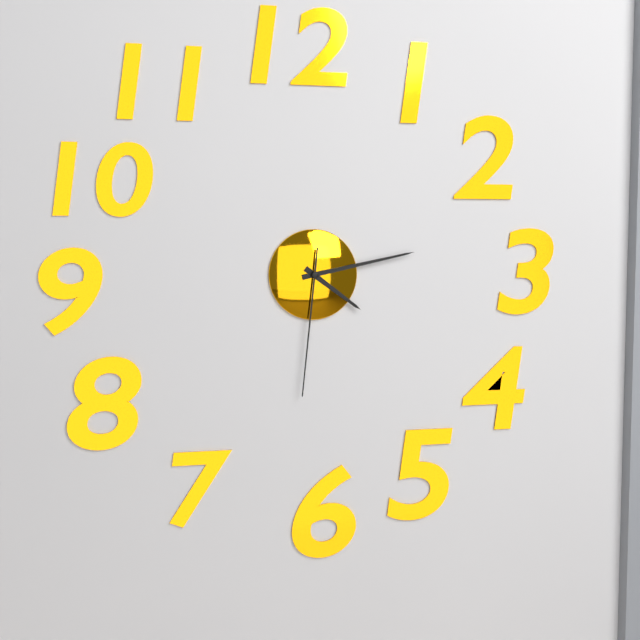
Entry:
h=4 m=13 s=31
